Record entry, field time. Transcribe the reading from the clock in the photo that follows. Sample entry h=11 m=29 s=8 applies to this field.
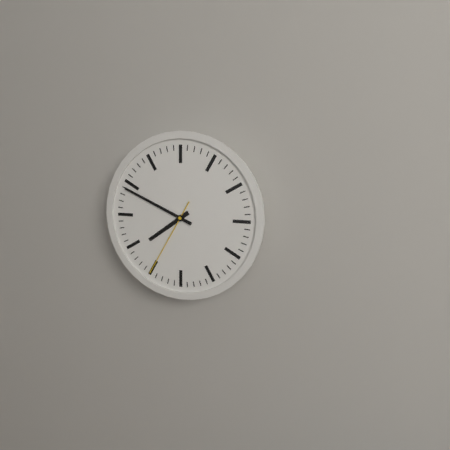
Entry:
h=7 m=49 s=35
